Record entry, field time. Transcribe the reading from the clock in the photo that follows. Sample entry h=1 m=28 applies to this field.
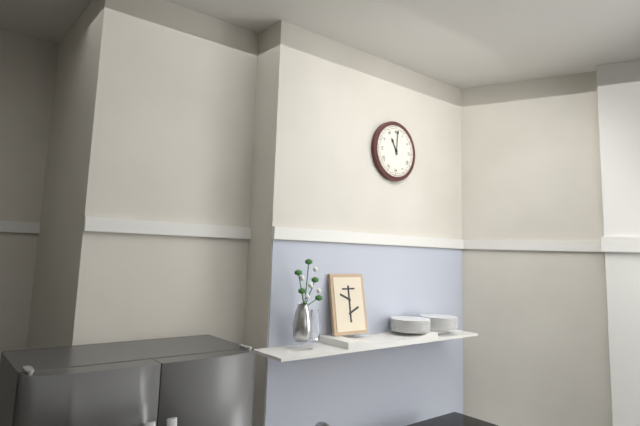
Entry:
h=11 m=1
